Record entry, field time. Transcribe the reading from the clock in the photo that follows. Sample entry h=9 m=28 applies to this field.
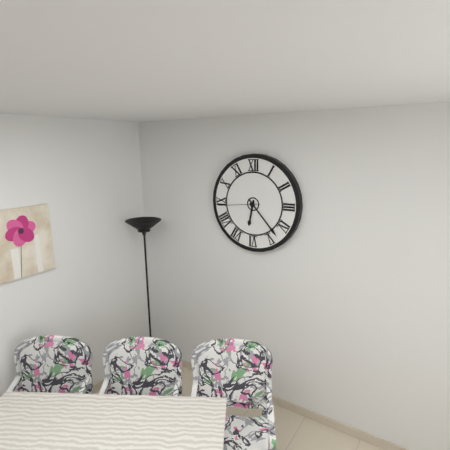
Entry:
h=6 m=23
